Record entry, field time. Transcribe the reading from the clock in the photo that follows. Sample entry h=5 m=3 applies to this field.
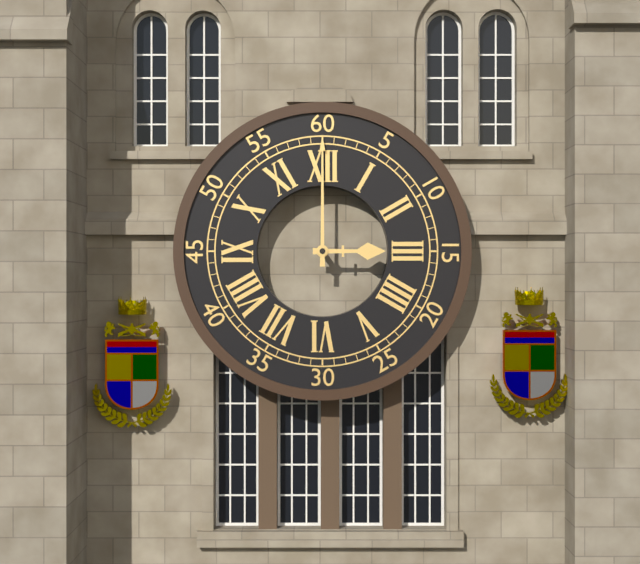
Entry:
h=3 m=0
